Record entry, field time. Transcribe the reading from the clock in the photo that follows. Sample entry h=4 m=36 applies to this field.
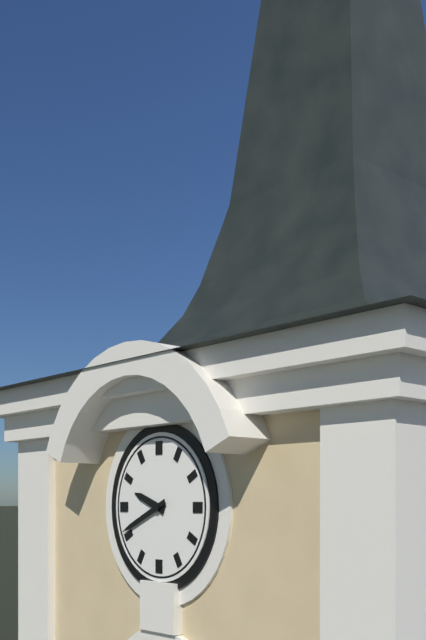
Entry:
h=9 m=41
